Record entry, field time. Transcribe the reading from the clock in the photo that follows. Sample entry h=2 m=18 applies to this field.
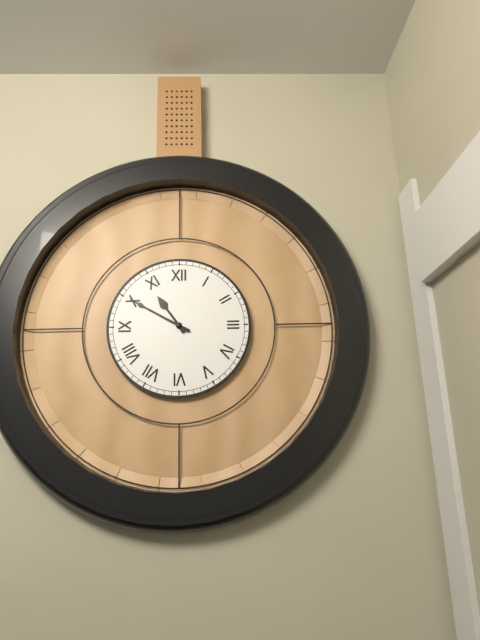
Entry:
h=10 m=50
